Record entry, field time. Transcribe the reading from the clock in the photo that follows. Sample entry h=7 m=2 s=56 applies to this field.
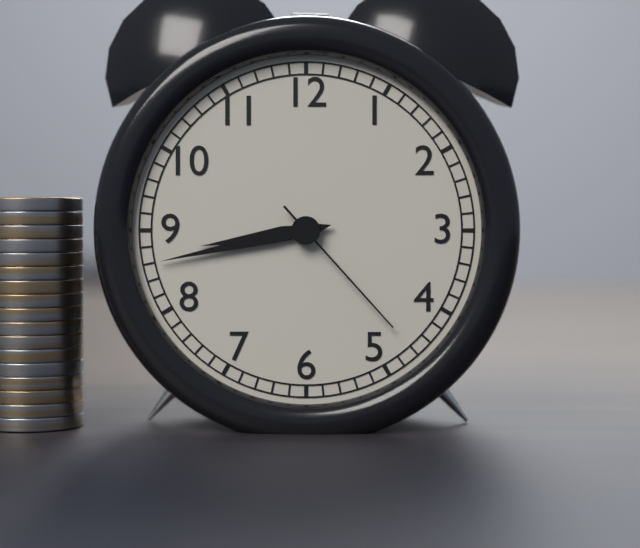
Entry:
h=8 m=43 s=23
